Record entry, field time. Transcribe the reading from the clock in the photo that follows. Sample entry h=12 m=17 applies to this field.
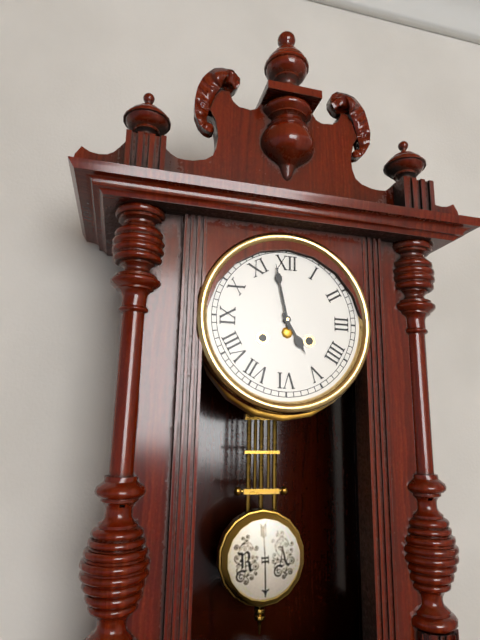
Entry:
h=4 m=58
